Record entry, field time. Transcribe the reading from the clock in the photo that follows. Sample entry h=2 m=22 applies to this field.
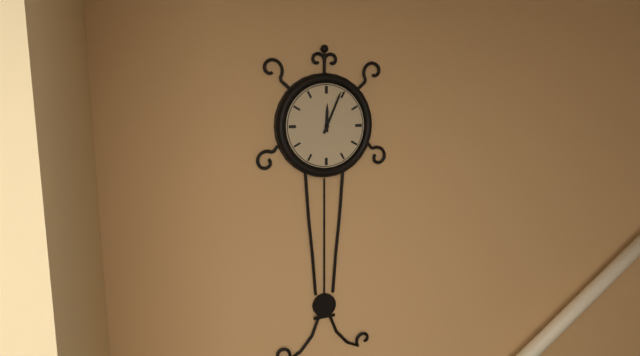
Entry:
h=12 m=4
